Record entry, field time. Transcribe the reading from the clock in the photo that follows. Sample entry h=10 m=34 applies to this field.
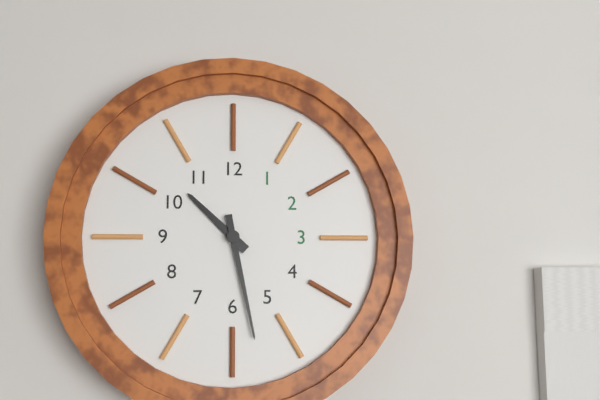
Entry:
h=10 m=28
